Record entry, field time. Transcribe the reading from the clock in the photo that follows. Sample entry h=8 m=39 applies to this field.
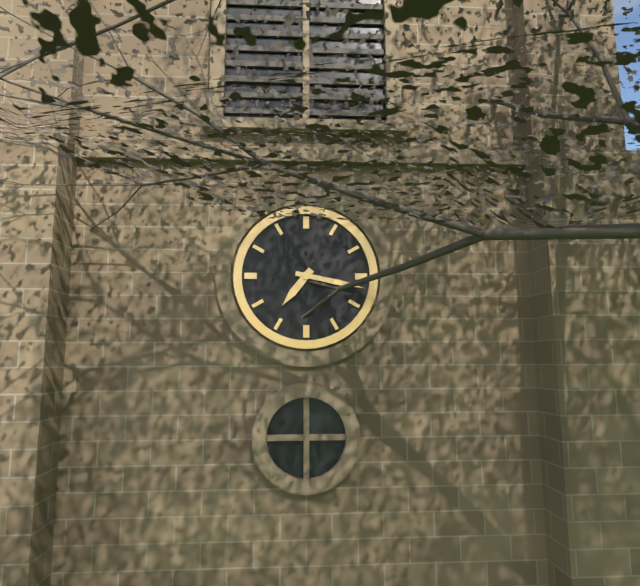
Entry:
h=7 m=17
